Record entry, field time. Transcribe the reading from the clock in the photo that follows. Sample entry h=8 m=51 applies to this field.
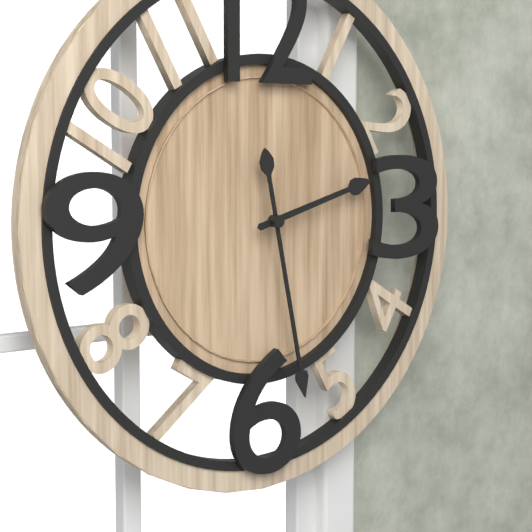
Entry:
h=2 m=28
